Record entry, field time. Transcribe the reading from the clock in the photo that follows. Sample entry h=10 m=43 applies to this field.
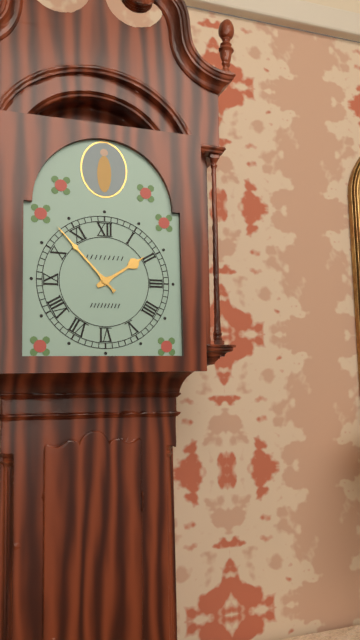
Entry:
h=1 m=53
